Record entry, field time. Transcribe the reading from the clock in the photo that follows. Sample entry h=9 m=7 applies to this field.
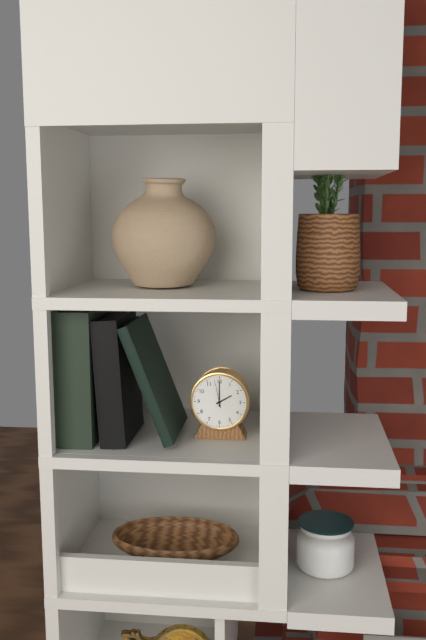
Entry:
h=2 m=0
